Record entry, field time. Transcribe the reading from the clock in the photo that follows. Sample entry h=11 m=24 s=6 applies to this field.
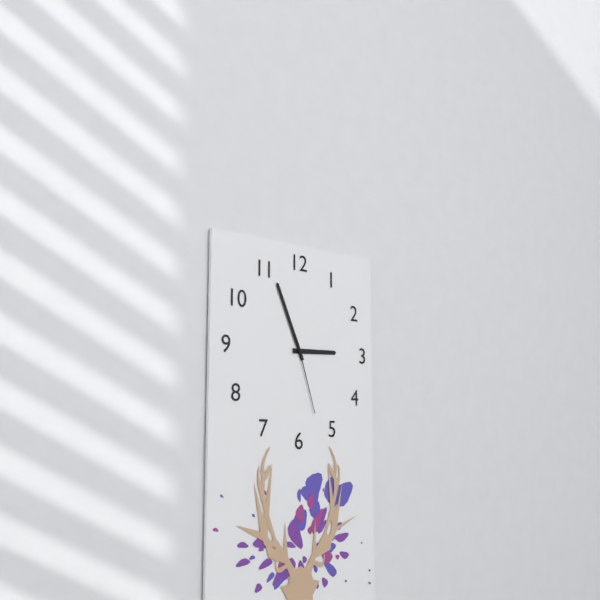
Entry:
h=2 m=56 s=27
